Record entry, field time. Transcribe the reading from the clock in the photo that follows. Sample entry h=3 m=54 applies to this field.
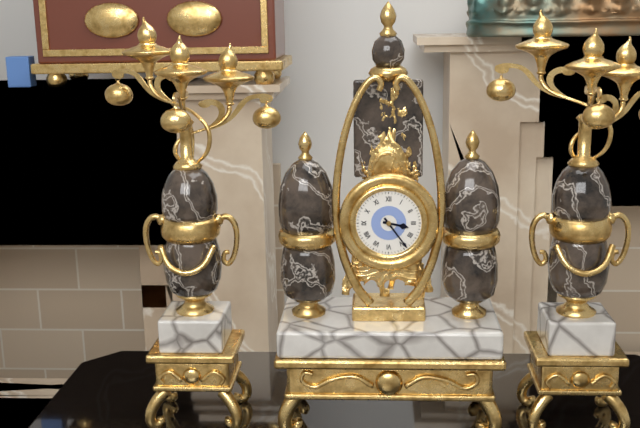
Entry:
h=3 m=24
